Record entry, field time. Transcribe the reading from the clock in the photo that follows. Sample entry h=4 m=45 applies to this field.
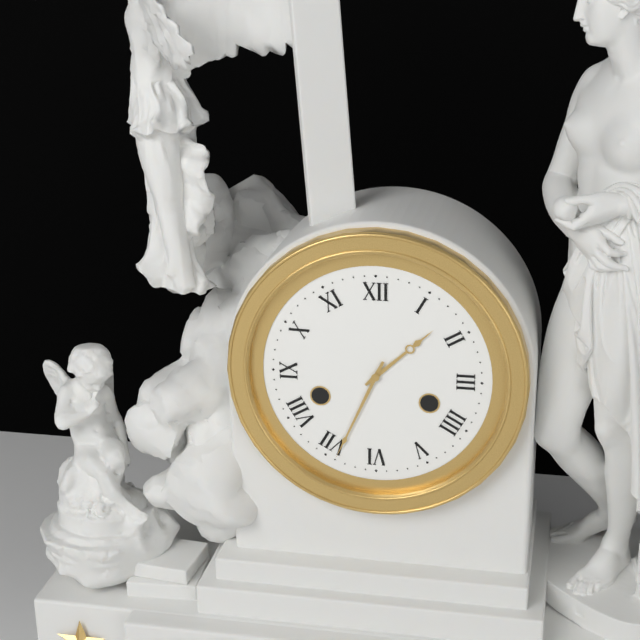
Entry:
h=1 m=34
